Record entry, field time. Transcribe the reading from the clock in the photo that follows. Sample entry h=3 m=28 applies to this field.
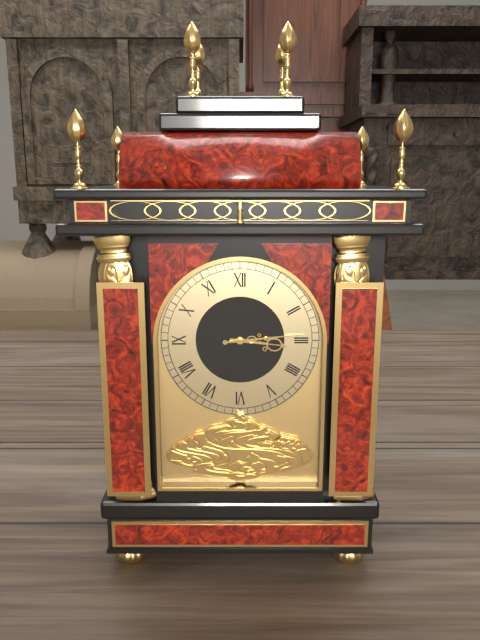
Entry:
h=3 m=14
